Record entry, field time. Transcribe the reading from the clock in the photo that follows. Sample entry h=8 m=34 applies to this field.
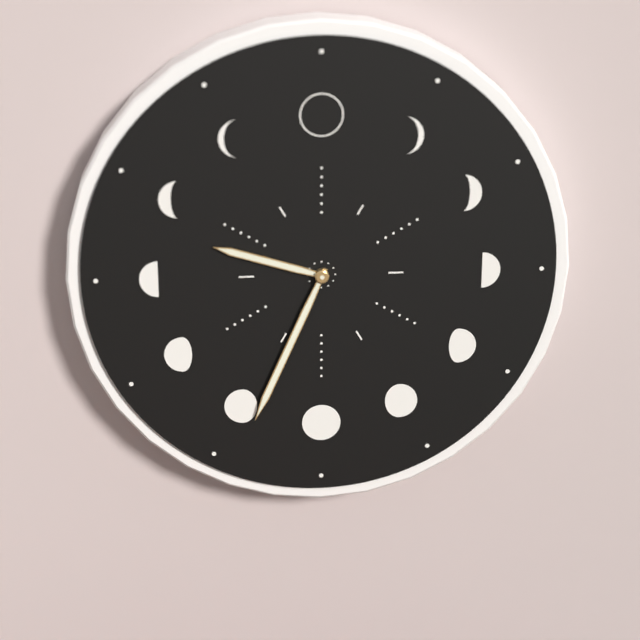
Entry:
h=9 m=34
